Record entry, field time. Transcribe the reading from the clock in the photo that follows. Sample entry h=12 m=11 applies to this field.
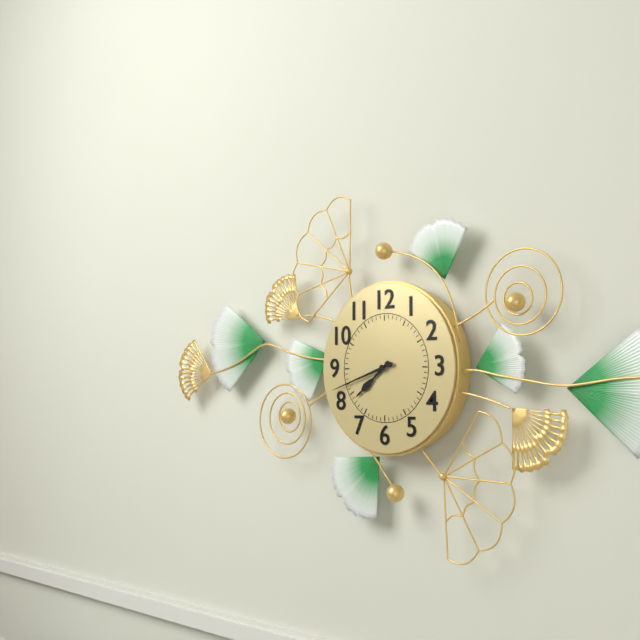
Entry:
h=7 m=42
